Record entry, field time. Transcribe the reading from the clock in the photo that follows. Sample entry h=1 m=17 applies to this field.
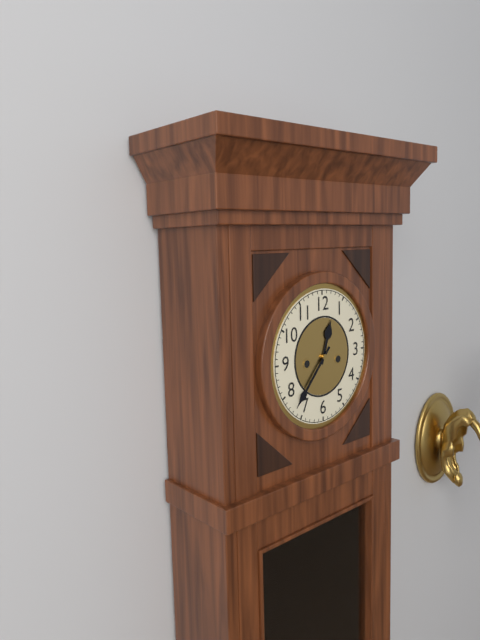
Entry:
h=12 m=37
